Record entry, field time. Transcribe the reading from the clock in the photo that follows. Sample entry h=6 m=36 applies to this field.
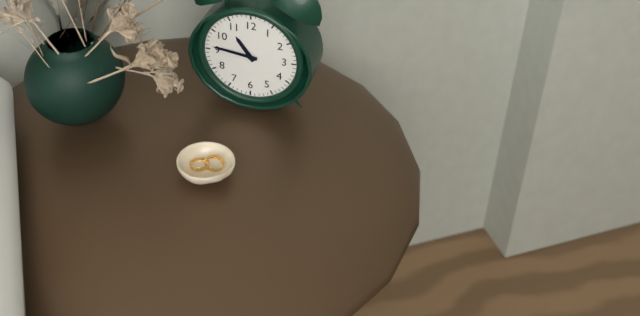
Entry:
h=10 m=46
